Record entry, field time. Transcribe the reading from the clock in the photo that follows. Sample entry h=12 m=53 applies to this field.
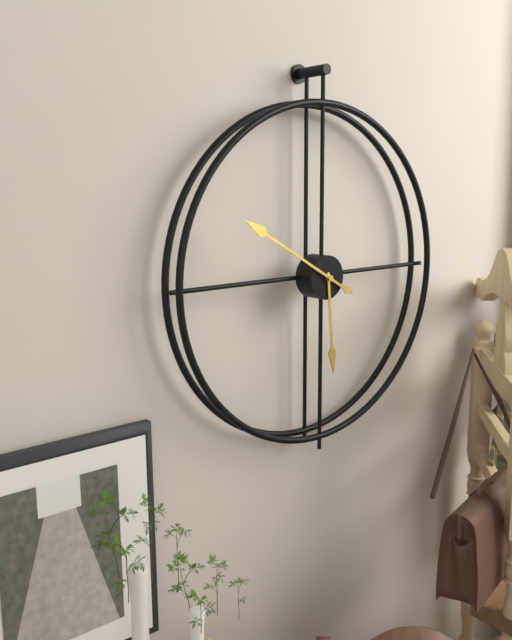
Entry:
h=5 m=50
